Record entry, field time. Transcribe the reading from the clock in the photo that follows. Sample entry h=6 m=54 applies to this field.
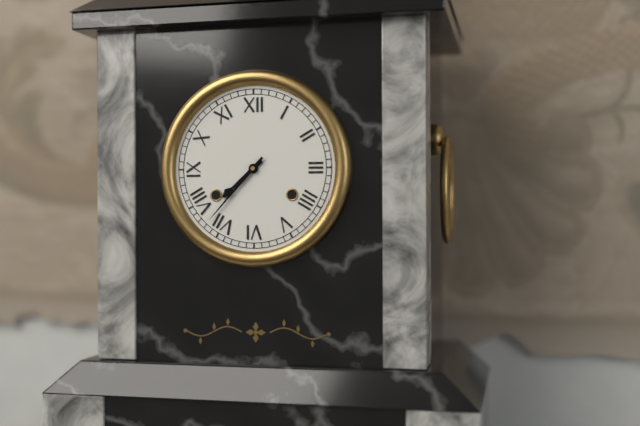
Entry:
h=7 m=37
